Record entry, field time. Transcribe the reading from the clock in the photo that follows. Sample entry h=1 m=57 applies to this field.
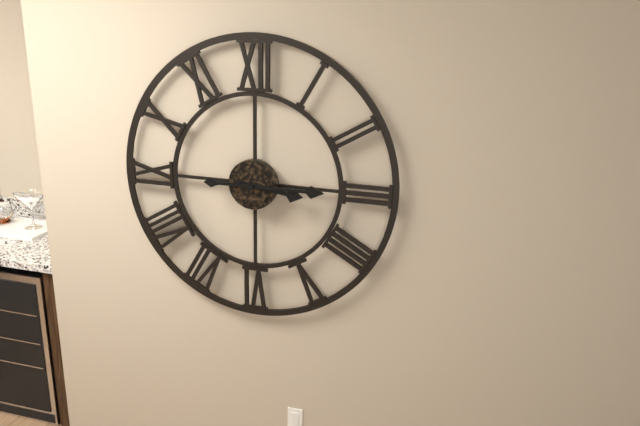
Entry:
h=3 m=15
